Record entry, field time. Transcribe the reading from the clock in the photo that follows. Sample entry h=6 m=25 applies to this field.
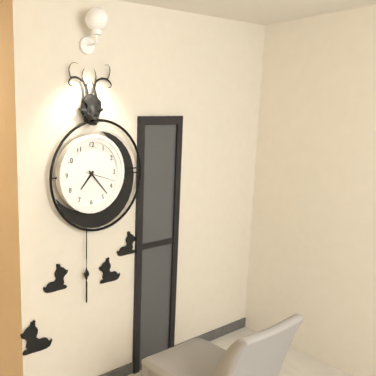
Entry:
h=7 m=23
